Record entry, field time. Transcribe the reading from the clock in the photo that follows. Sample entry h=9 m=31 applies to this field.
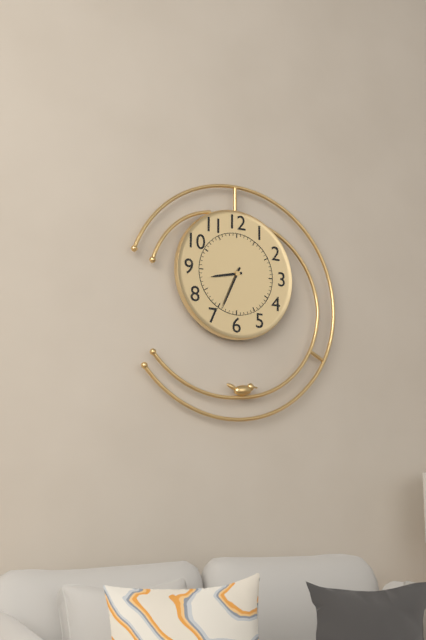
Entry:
h=8 m=34
